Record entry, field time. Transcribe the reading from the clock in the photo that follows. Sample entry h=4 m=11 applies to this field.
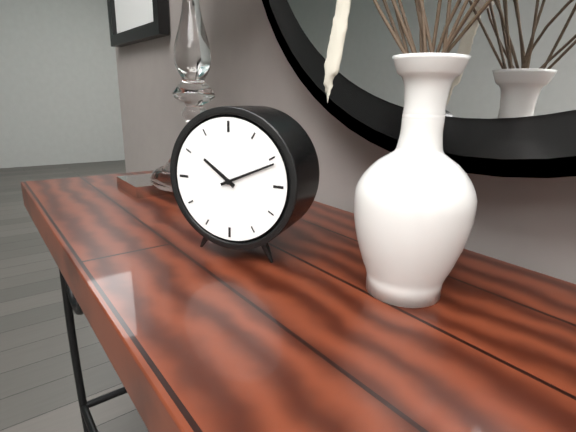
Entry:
h=10 m=11
